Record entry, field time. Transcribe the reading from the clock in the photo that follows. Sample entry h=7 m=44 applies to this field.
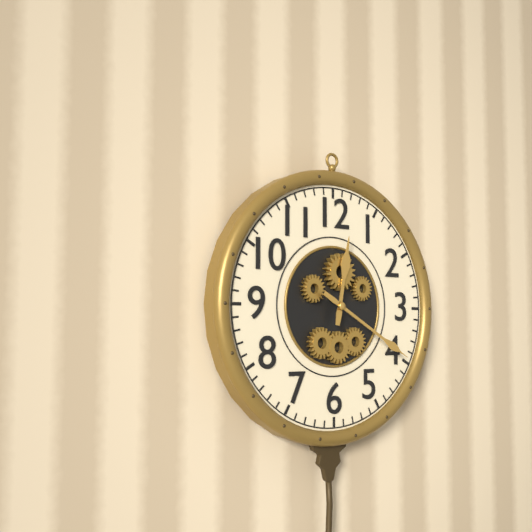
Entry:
h=12 m=20
